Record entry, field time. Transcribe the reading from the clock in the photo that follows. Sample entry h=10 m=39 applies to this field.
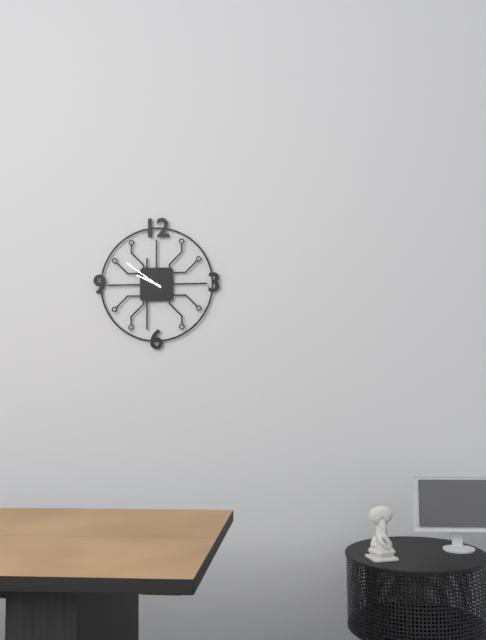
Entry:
h=9 m=51
